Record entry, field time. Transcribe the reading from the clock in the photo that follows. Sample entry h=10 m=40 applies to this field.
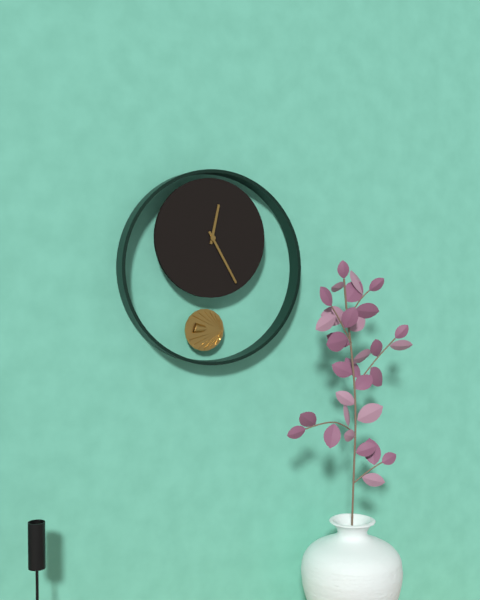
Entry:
h=12 m=25
